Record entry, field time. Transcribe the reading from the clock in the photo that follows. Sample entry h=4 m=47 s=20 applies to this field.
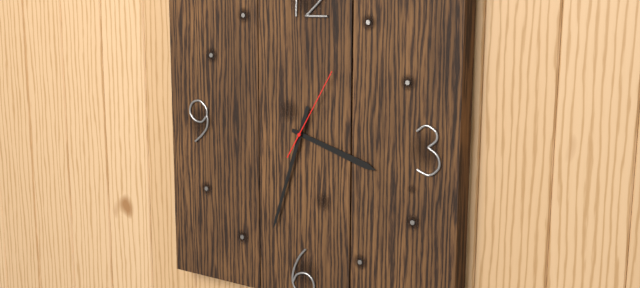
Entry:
h=3 m=33 s=5
